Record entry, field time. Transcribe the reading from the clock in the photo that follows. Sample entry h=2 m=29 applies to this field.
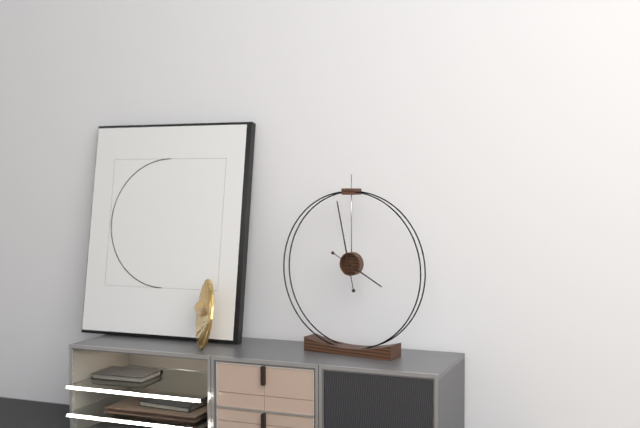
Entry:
h=3 m=58
